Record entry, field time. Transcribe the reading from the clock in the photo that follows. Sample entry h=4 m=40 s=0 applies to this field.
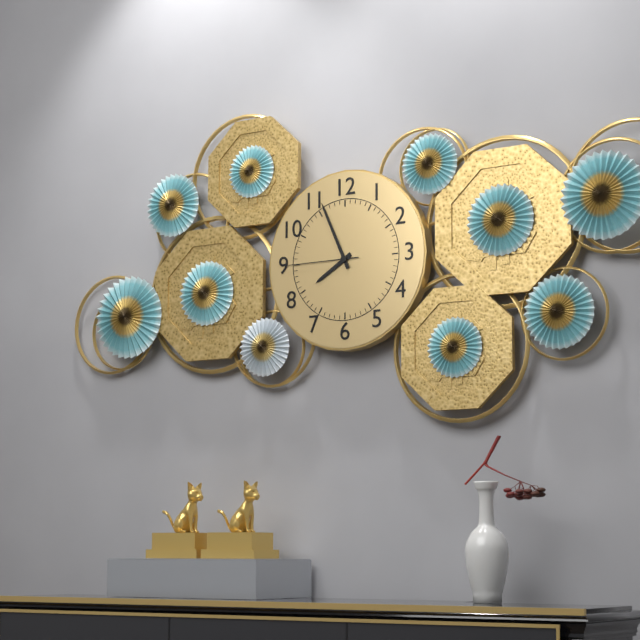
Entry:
h=7 m=56 s=45
